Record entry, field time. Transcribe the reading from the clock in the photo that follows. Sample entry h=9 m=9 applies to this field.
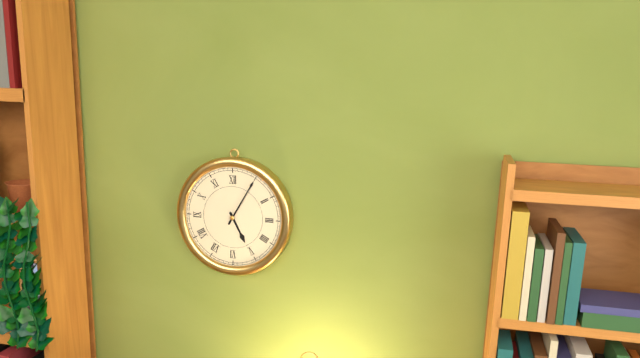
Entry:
h=5 m=5
